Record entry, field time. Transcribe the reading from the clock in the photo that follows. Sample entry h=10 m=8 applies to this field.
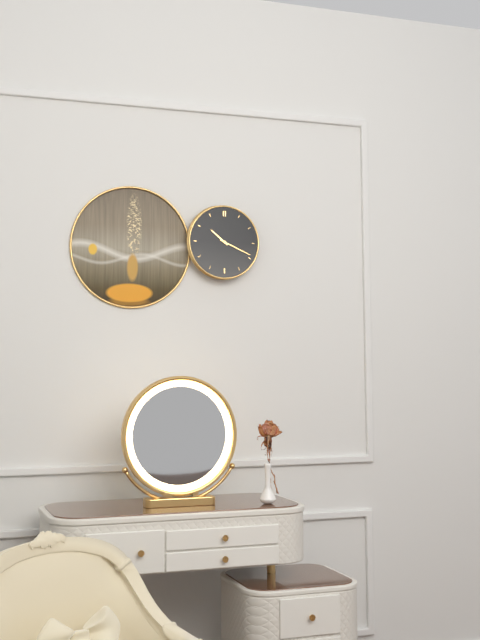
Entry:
h=10 m=19
